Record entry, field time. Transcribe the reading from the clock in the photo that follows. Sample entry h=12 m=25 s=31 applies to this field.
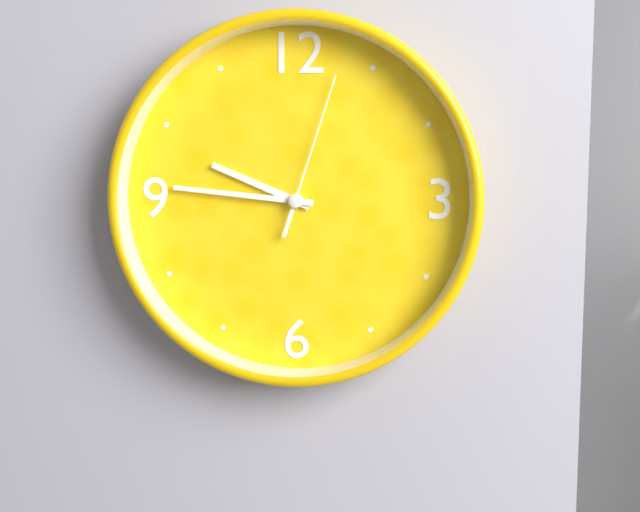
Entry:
h=9 m=46 s=3
